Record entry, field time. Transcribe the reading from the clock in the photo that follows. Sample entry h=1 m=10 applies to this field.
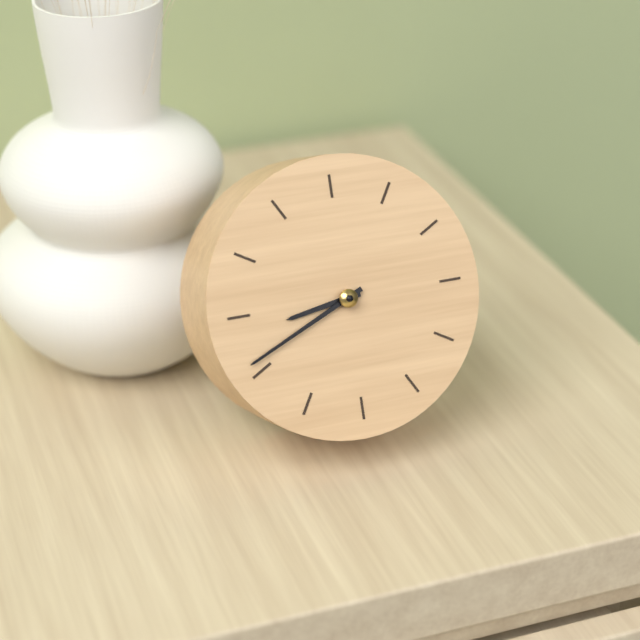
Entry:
h=8 m=41
